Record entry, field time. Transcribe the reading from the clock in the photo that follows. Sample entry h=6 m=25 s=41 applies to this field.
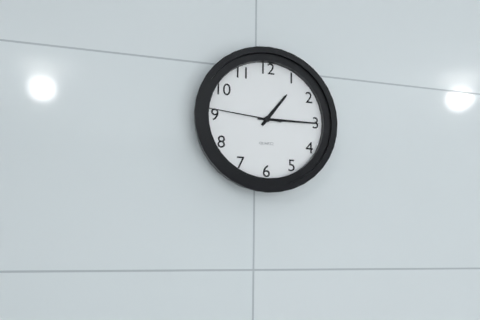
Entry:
h=1 m=15 s=46
